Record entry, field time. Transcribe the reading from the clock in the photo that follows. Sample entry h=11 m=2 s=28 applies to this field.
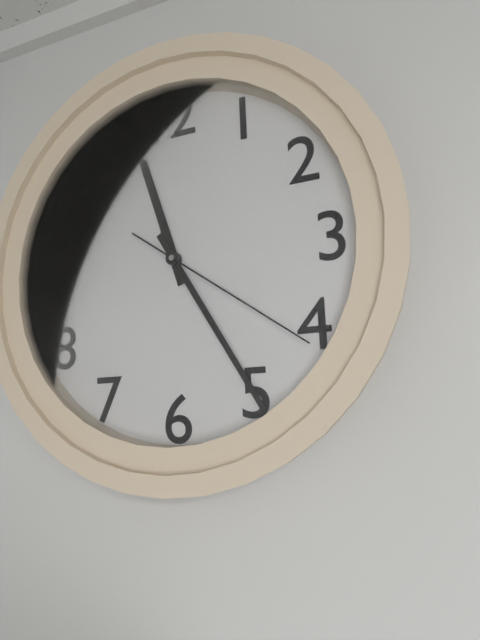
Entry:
h=11 m=25 s=21
